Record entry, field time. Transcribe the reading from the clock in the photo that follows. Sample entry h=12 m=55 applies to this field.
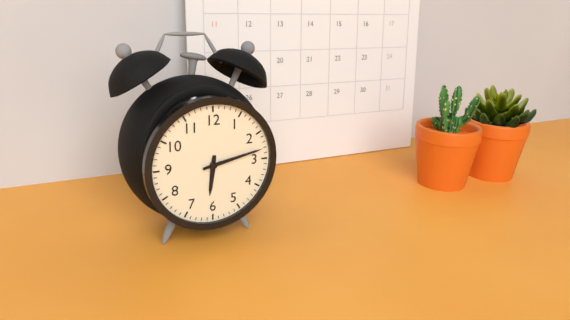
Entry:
h=6 m=13
